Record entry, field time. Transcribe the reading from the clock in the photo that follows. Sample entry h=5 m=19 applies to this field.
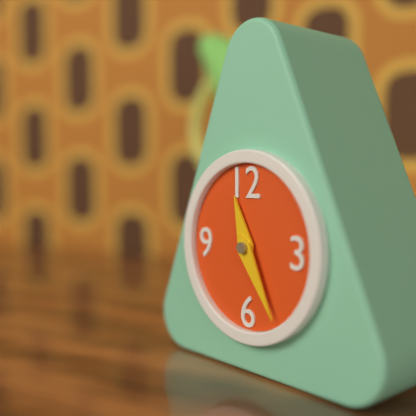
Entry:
h=11 m=25
